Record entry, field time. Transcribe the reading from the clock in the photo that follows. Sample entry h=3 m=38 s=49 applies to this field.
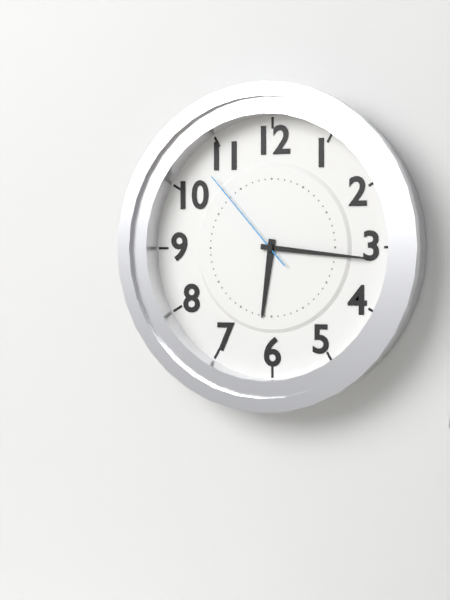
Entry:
h=6 m=16 s=53
